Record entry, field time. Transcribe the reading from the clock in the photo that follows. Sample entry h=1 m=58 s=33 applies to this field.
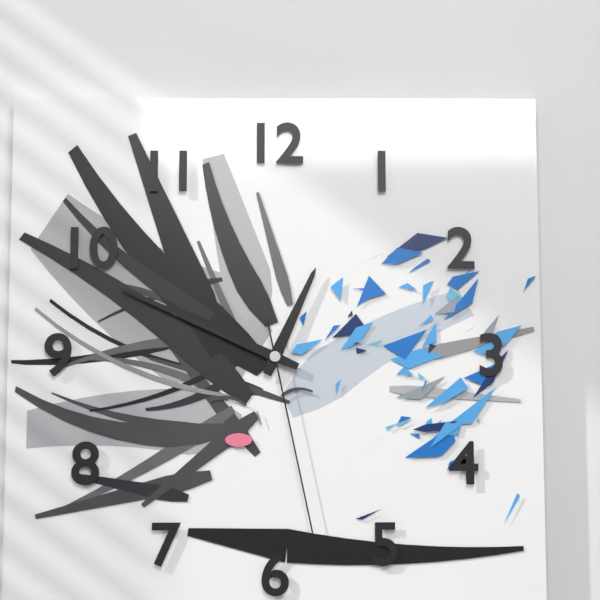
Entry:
h=12 m=49 s=28
